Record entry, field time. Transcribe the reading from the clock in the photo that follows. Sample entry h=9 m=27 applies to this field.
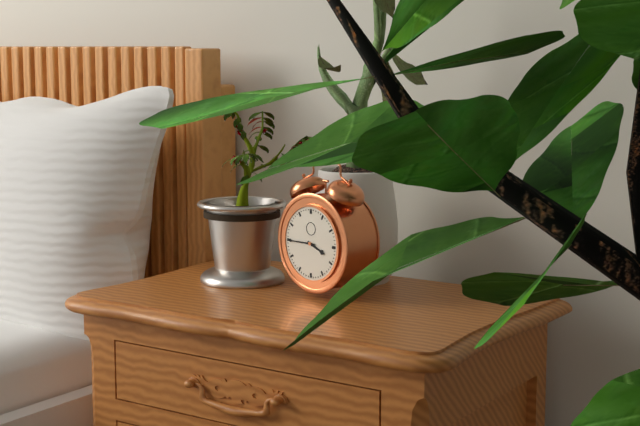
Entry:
h=3 m=45
